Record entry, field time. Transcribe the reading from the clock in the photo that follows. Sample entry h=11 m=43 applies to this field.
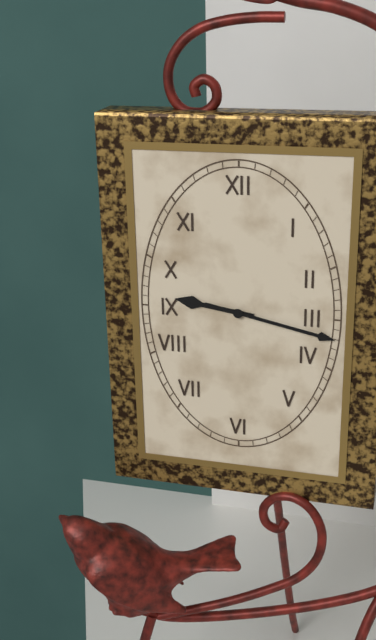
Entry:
h=9 m=17
